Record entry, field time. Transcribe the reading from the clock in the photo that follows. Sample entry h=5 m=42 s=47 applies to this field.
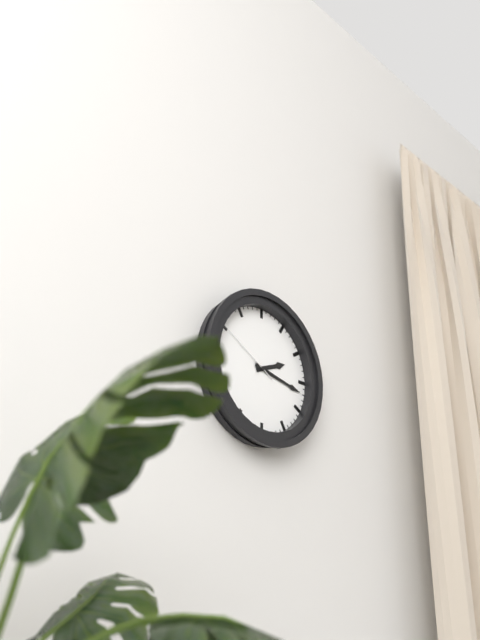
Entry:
h=2 m=17 s=50
